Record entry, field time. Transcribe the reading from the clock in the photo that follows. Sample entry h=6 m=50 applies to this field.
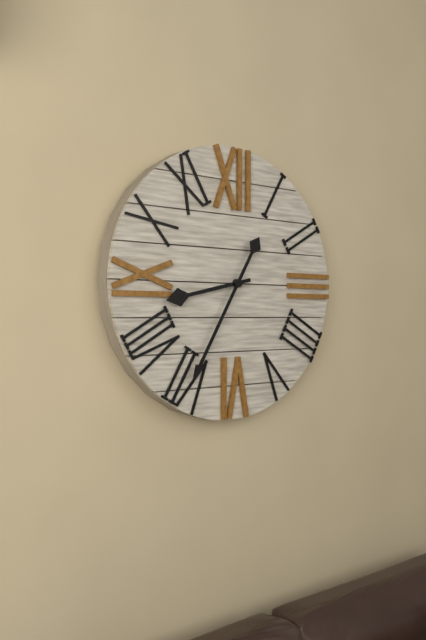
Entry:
h=8 m=35
